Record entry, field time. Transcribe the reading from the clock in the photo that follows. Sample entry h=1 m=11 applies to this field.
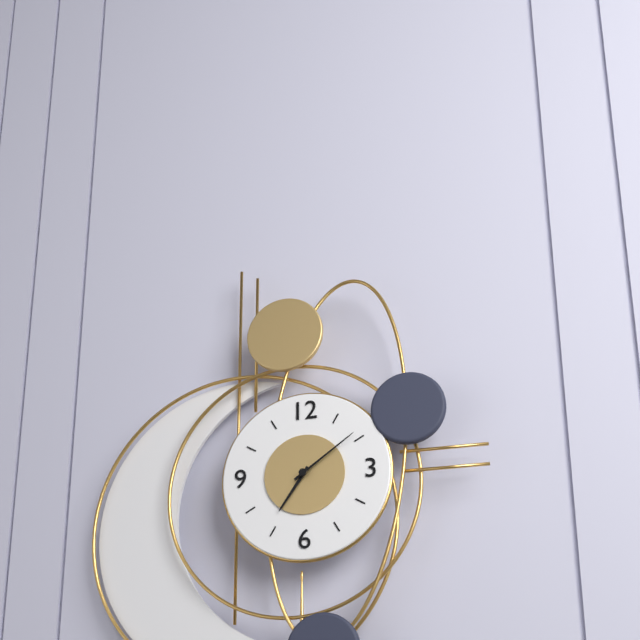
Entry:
h=7 m=9
